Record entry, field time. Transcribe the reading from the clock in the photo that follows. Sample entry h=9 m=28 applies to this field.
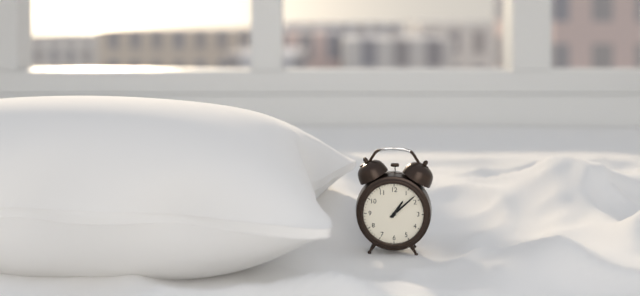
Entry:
h=1 m=8
